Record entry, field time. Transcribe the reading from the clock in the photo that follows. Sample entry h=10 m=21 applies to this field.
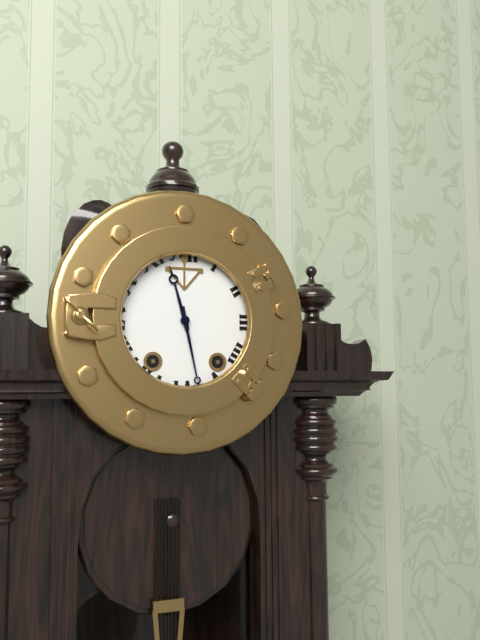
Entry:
h=11 m=28
